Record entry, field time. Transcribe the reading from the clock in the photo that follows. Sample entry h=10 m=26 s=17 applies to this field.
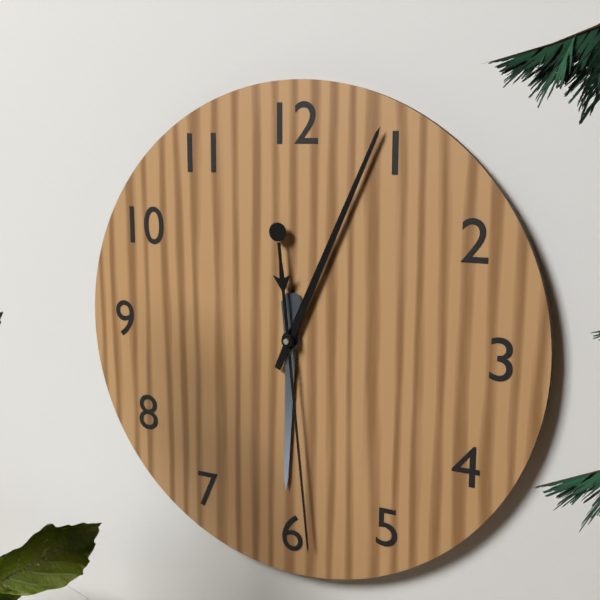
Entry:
h=6 m=4 s=29
